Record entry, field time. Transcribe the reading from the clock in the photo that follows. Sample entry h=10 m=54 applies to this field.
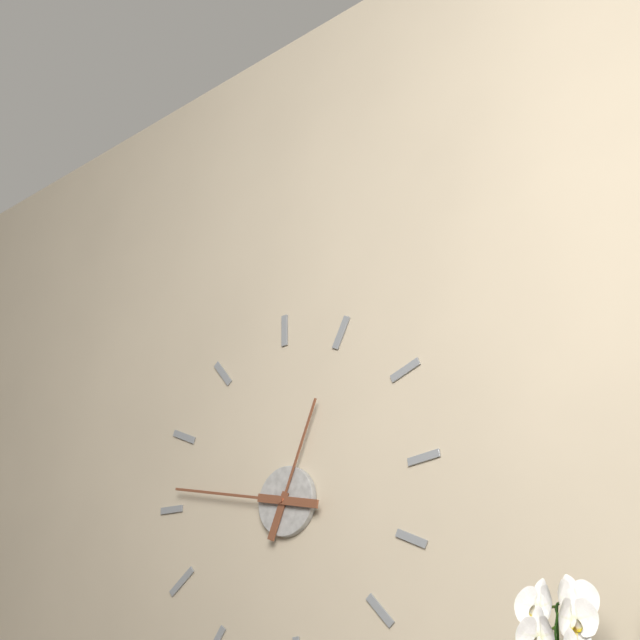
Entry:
h=12 m=47
